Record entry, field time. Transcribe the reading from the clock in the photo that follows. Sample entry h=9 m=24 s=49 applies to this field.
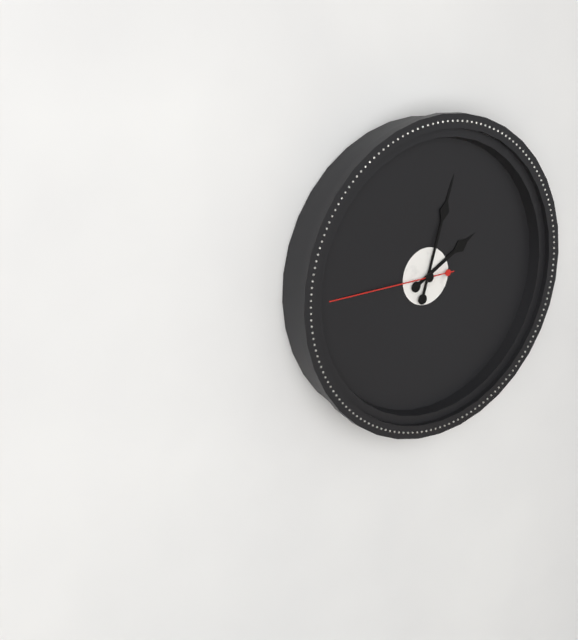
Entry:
h=2 m=3 s=45
